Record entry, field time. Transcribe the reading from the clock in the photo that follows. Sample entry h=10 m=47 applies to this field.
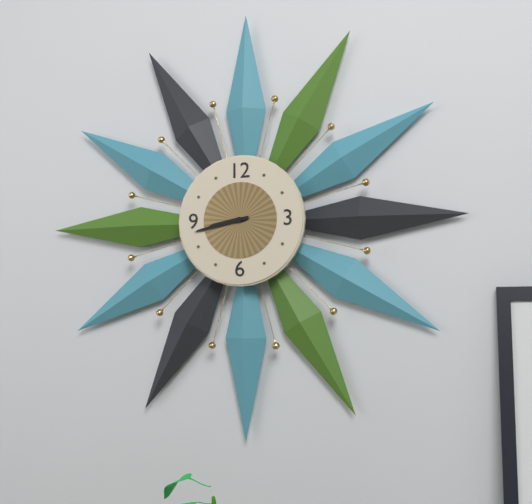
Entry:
h=8 m=43
